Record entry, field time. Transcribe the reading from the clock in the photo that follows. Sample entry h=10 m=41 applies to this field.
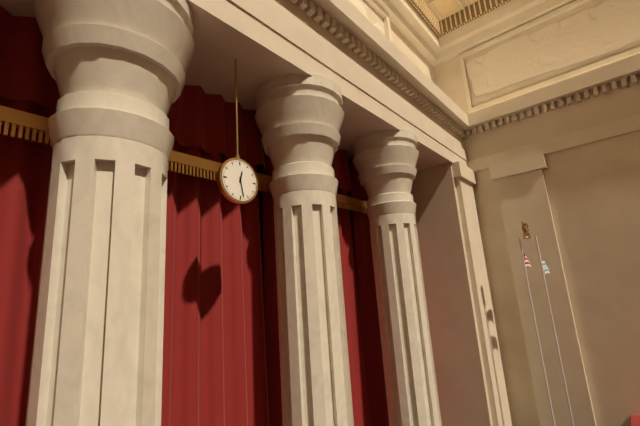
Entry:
h=12 m=28
